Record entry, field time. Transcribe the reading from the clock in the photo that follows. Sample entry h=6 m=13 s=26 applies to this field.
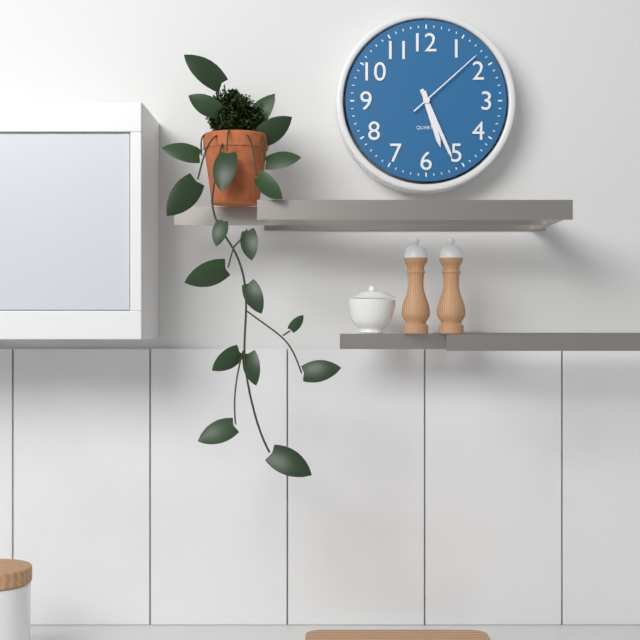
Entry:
h=5 m=26 s=8
